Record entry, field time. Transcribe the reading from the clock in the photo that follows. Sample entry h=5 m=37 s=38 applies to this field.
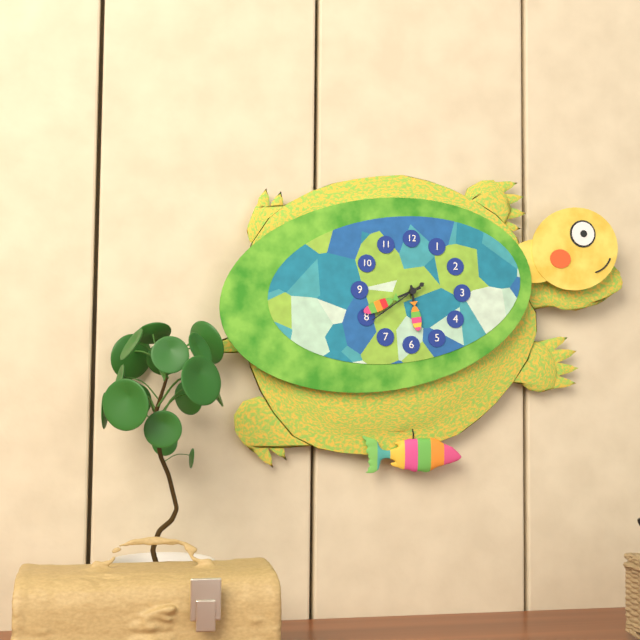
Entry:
h=5 m=41 s=39
